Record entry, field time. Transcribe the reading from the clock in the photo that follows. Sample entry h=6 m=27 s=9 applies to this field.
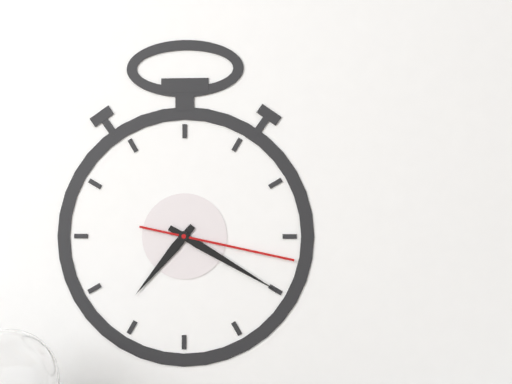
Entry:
h=7 m=20 s=17
